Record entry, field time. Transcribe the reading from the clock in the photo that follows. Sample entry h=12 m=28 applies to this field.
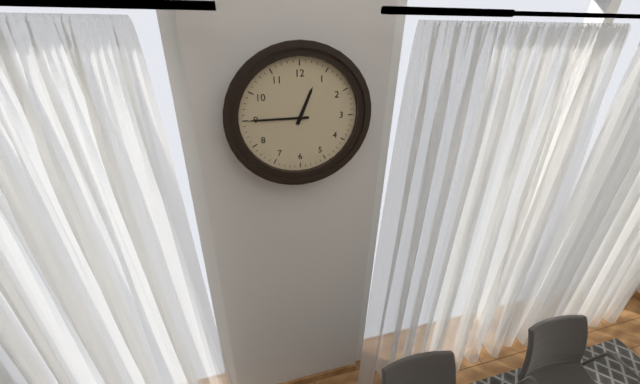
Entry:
h=12 m=45
